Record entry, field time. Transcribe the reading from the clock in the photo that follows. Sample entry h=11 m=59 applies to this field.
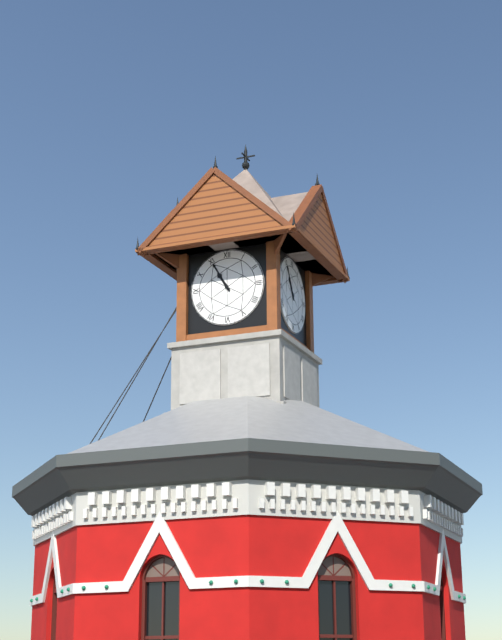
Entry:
h=10 m=55
